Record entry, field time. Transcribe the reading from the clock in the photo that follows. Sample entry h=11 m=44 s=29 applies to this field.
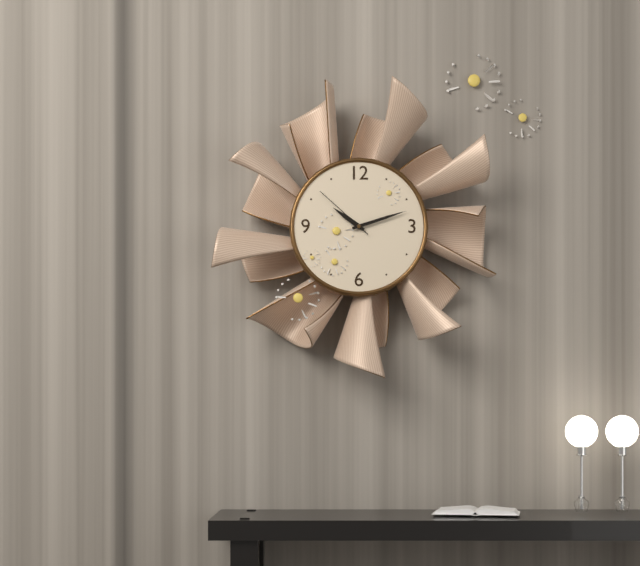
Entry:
h=10 m=12 s=52
